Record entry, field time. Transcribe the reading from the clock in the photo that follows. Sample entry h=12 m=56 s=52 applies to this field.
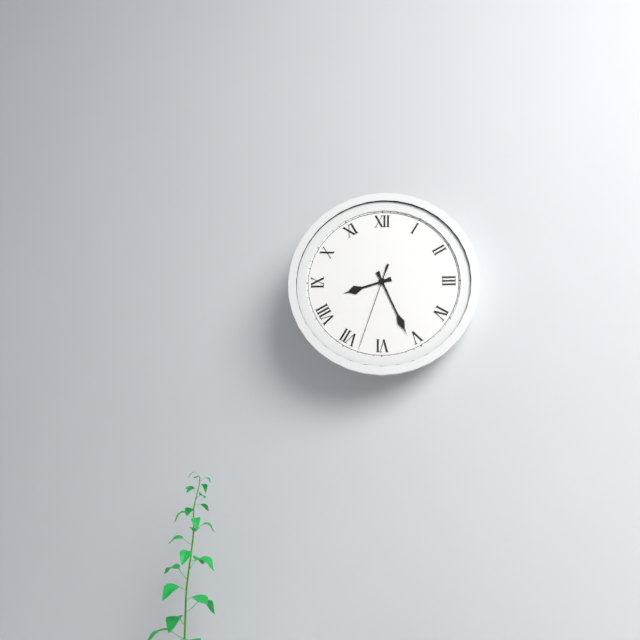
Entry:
h=8 m=26 s=33
